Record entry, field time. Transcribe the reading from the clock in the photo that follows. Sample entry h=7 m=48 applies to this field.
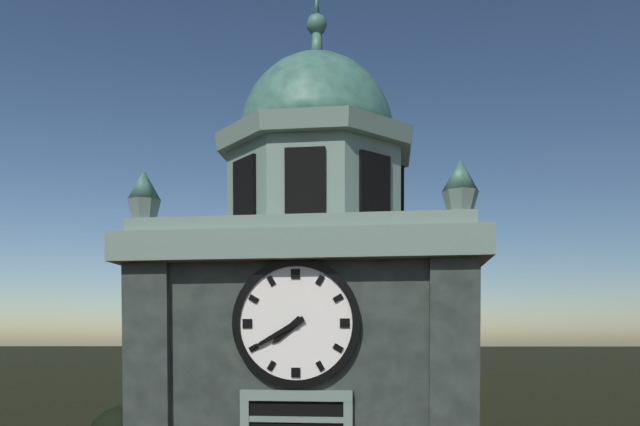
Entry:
h=7 m=40
